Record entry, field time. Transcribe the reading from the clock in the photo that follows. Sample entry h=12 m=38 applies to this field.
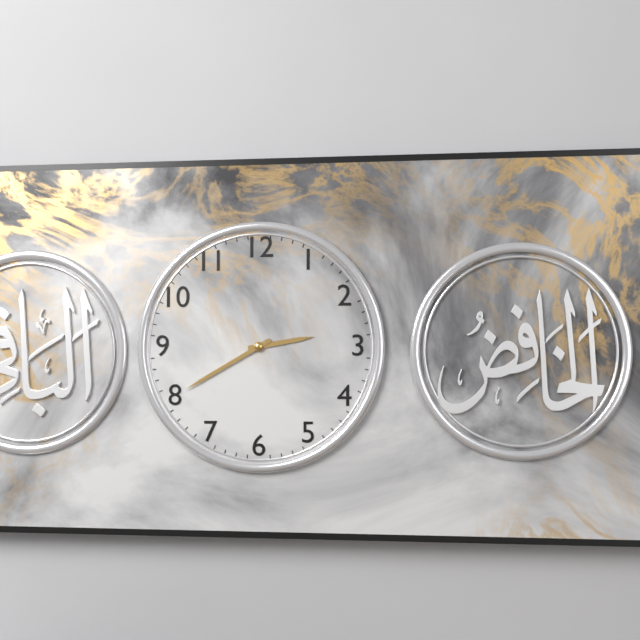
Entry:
h=2 m=40
